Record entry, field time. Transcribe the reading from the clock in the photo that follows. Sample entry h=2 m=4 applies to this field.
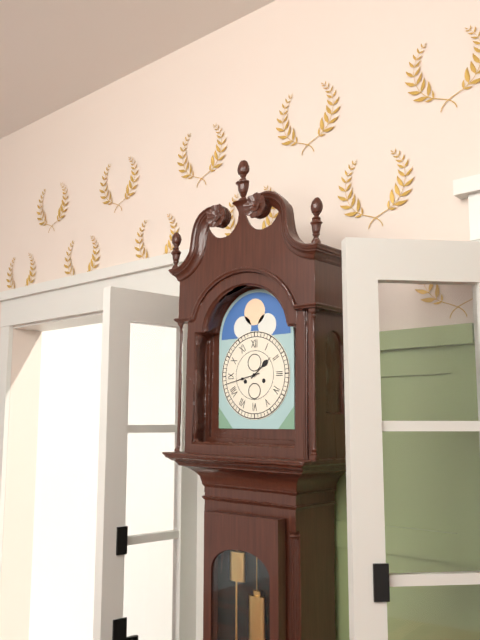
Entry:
h=1 m=43
